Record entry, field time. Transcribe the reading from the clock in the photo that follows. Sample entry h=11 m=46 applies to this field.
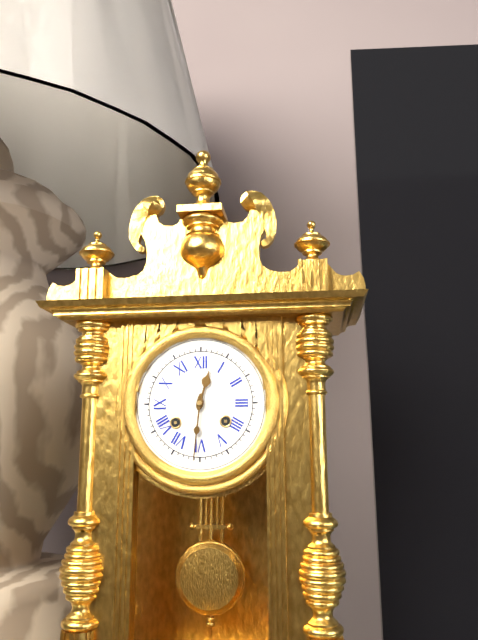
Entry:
h=12 m=31
